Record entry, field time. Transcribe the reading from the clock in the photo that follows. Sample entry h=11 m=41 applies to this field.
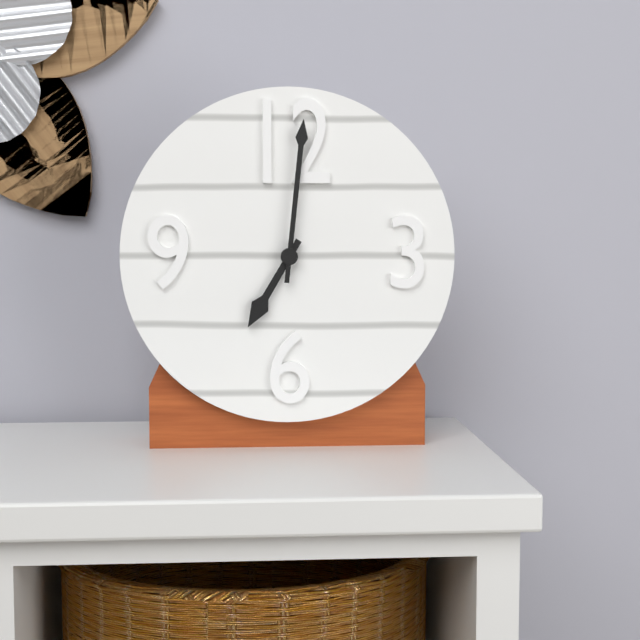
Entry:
h=7 m=1
